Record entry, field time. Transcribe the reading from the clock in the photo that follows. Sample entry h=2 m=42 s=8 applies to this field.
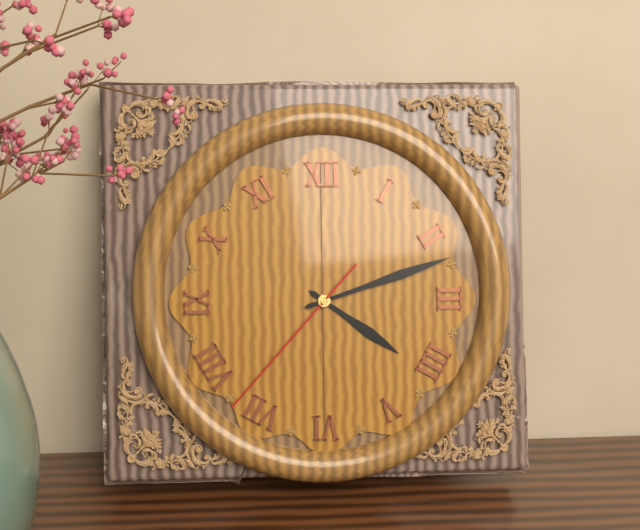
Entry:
h=4 m=12 s=37
